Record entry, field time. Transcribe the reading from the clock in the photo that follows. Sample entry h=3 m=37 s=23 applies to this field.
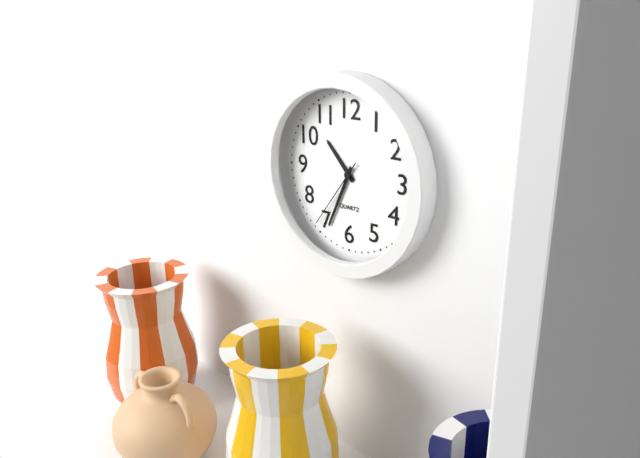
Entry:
h=10 m=34 s=36
